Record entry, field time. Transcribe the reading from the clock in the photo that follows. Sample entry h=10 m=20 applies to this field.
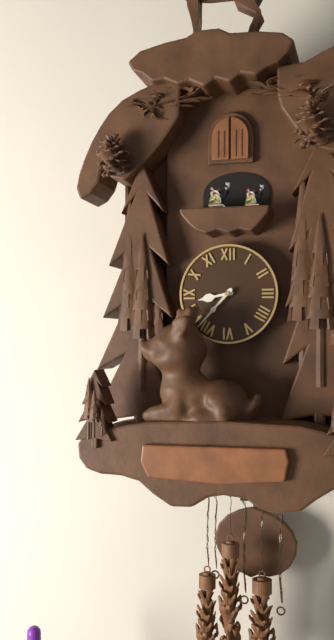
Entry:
h=8 m=37
